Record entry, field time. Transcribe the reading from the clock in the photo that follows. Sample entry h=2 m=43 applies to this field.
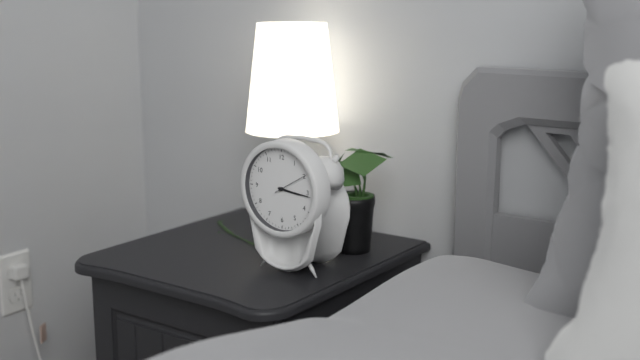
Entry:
h=3 m=16
